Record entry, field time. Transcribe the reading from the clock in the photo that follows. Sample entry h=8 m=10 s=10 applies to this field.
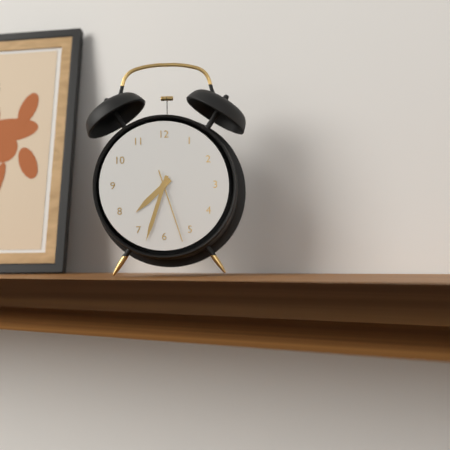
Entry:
h=7 m=33 s=27
